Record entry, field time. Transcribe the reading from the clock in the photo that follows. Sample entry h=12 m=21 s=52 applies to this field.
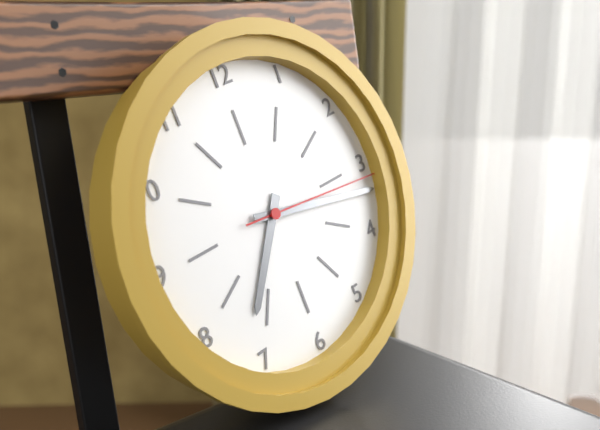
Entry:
h=7 m=17 s=16
